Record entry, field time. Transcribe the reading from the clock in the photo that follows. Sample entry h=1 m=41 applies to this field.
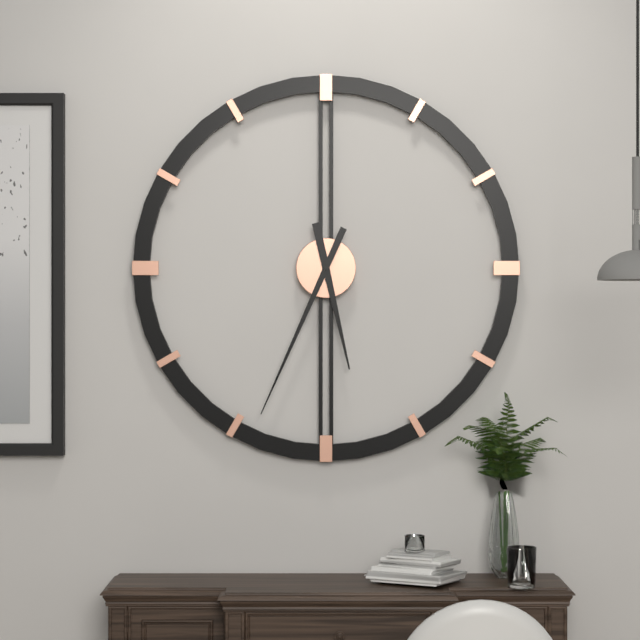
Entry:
h=5 m=34
